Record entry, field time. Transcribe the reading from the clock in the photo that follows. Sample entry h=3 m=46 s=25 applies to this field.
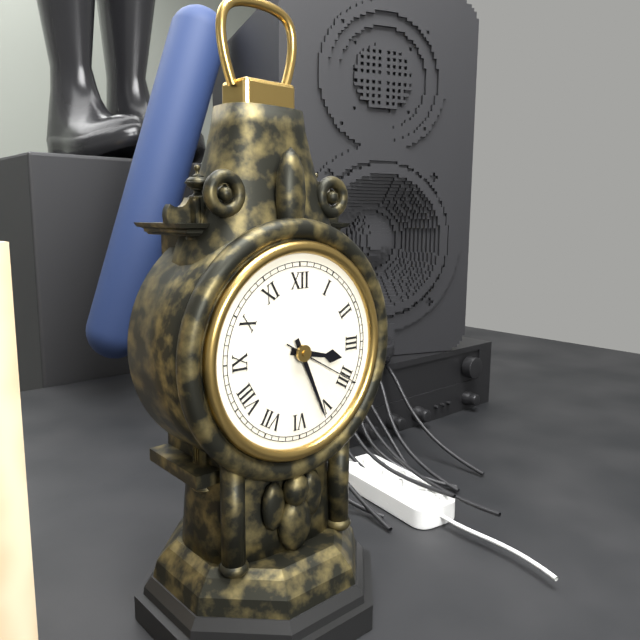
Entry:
h=3 m=26 s=20
